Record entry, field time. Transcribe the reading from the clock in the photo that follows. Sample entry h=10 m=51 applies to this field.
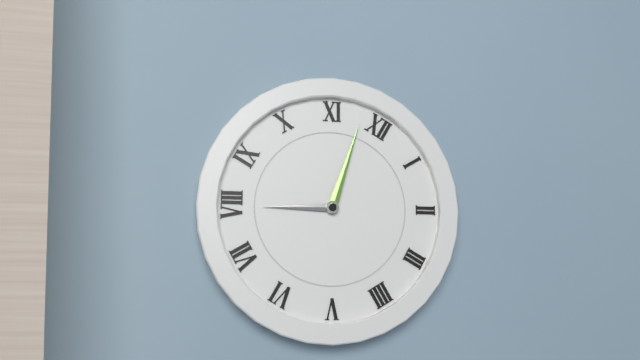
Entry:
h=7 m=58
